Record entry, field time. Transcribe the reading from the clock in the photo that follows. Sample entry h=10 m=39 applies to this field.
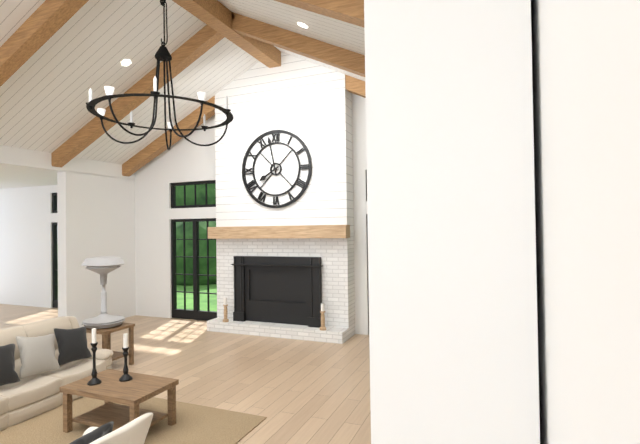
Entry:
h=7 m=58
